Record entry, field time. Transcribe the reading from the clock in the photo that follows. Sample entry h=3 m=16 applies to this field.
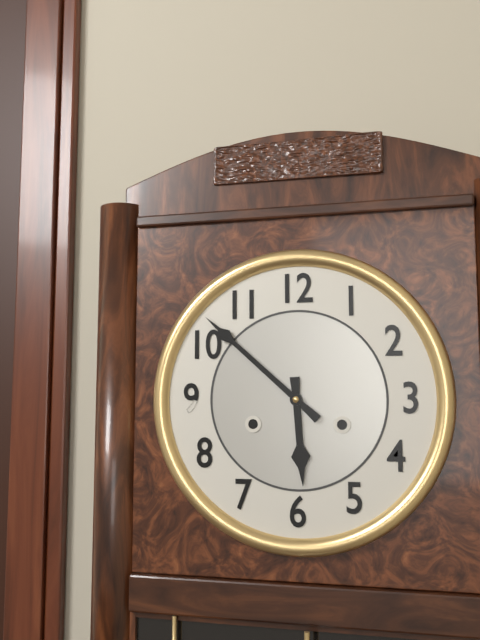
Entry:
h=5 m=52
